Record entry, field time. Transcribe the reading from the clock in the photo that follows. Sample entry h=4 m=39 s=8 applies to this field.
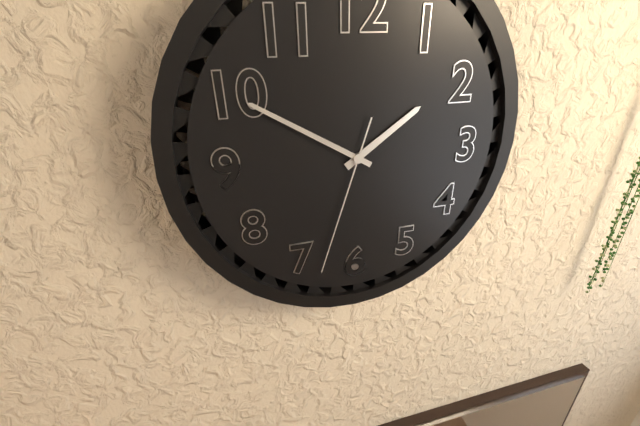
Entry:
h=1 m=50 s=33
